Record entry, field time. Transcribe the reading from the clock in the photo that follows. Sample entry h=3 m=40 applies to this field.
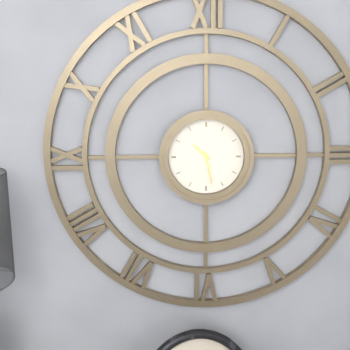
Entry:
h=10 m=28
